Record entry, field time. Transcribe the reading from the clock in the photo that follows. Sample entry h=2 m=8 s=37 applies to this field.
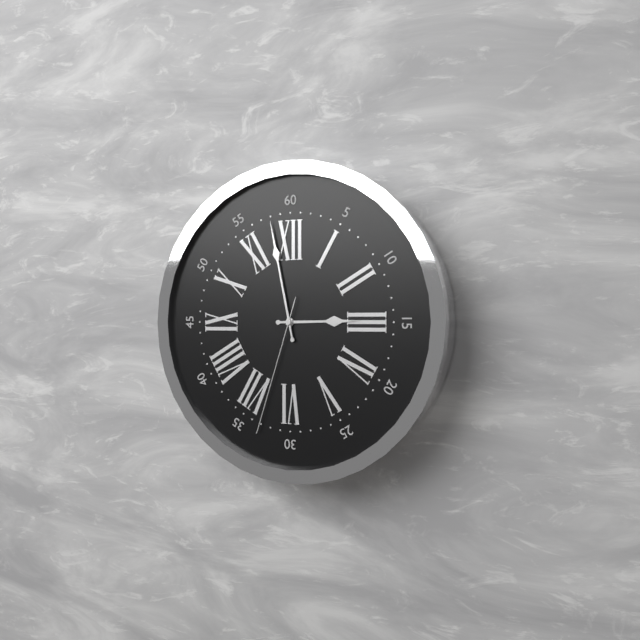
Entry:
h=2 m=58 s=33
